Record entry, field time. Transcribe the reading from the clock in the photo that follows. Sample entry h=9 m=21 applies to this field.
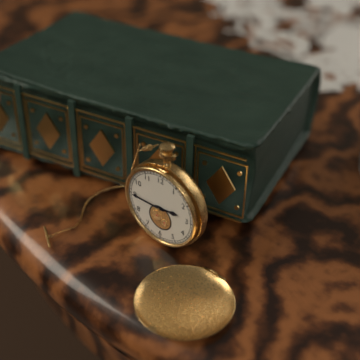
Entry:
h=2 m=45
